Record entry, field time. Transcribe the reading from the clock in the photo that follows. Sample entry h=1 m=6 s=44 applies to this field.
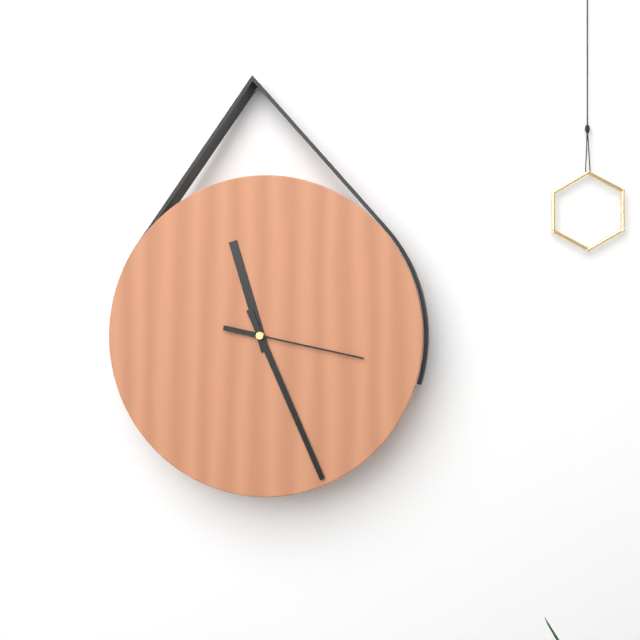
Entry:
h=11 m=26 s=17
